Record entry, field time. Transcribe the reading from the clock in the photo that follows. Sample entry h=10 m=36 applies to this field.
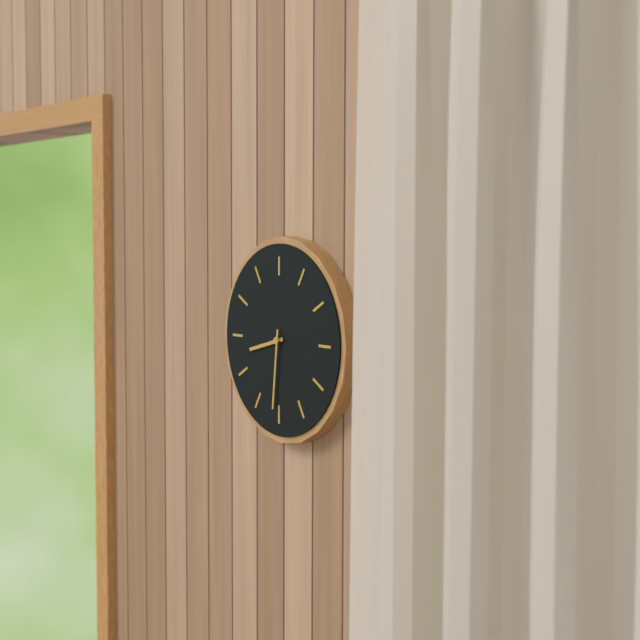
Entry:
h=8 m=31
